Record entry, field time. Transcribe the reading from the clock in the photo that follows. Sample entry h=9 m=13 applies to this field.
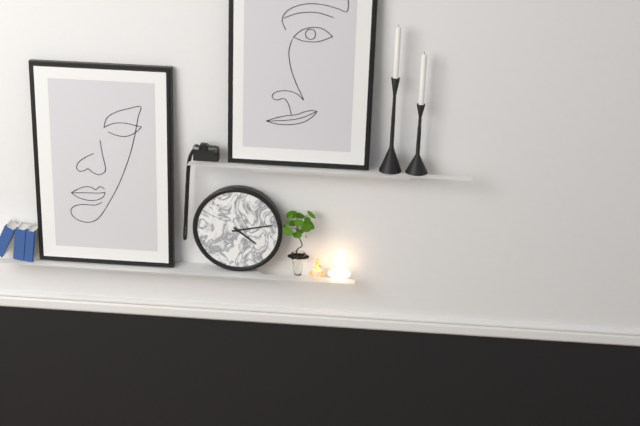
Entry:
h=4 m=13
